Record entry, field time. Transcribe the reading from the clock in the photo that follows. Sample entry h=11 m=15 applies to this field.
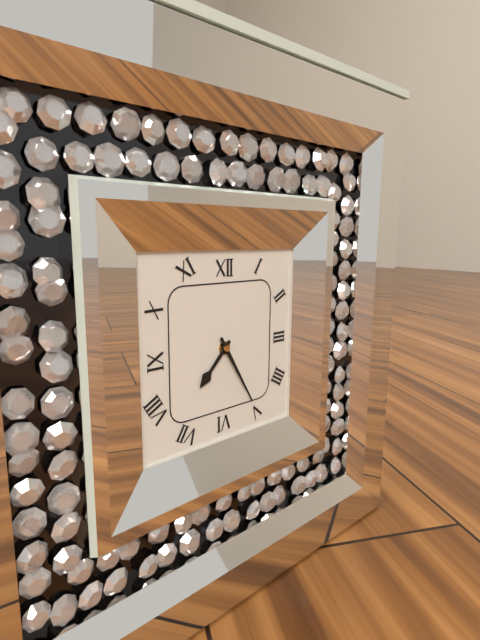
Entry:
h=7 m=25
